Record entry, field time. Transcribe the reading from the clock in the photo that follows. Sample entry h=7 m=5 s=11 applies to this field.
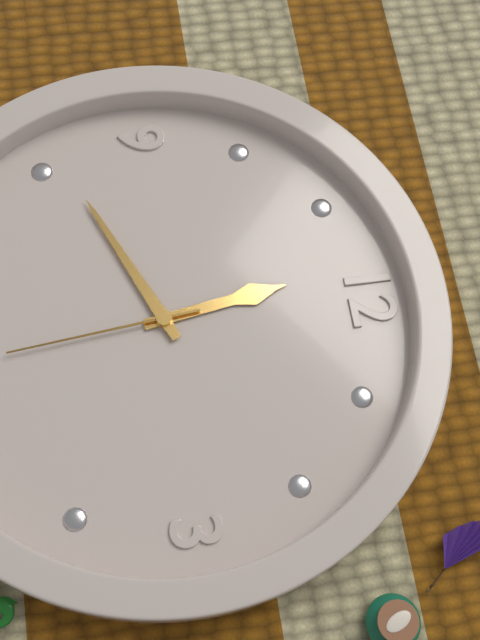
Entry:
h=11 m=41 s=29
